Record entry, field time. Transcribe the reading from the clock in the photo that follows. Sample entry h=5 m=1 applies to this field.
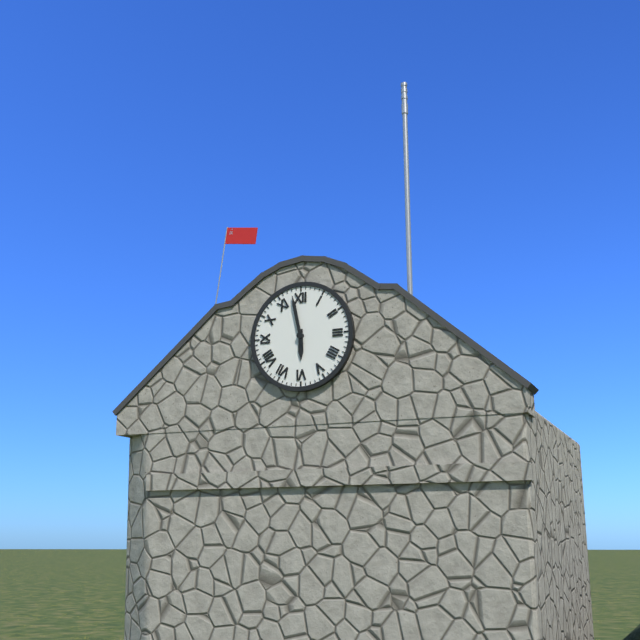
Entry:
h=5 m=58
